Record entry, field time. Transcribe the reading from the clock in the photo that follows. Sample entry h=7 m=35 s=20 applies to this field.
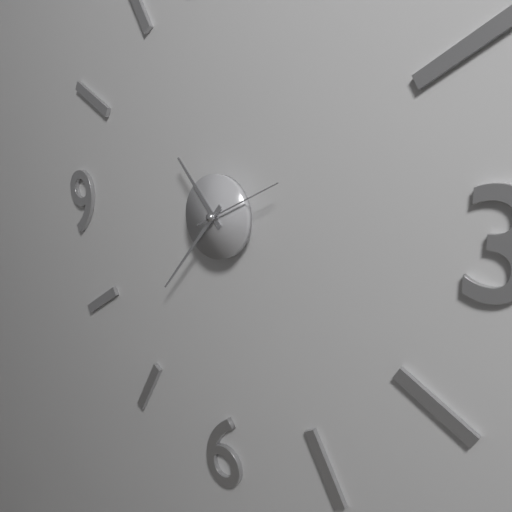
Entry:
h=10 m=37 s=11
